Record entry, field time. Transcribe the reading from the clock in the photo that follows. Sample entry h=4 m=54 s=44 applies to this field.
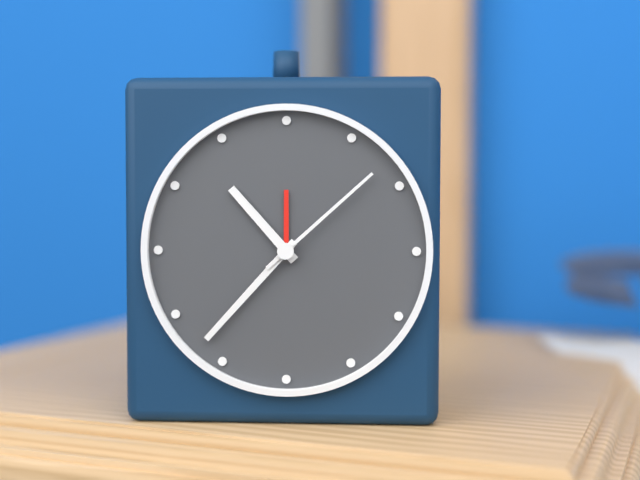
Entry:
h=10 m=37 s=8
